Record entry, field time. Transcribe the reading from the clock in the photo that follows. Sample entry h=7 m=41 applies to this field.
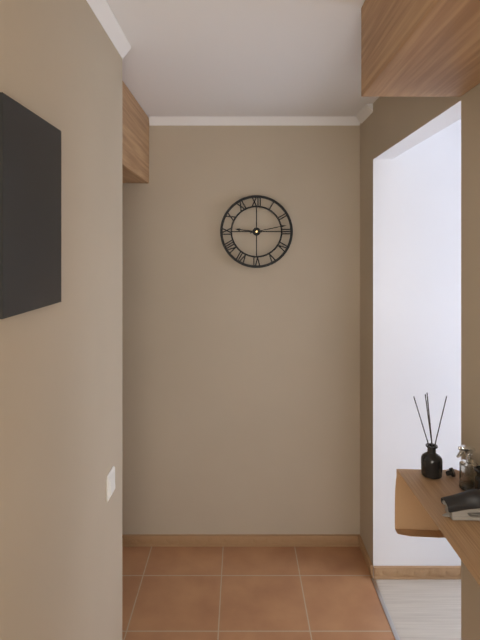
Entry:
h=9 m=13
